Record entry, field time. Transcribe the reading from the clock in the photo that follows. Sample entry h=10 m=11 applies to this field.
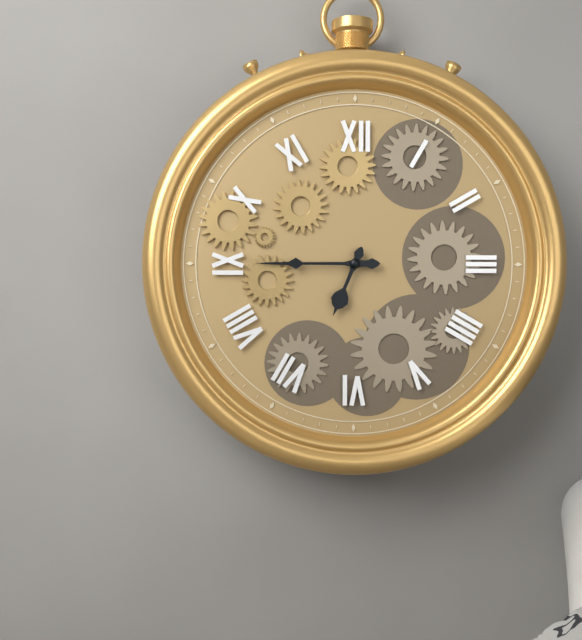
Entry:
h=6 m=45
